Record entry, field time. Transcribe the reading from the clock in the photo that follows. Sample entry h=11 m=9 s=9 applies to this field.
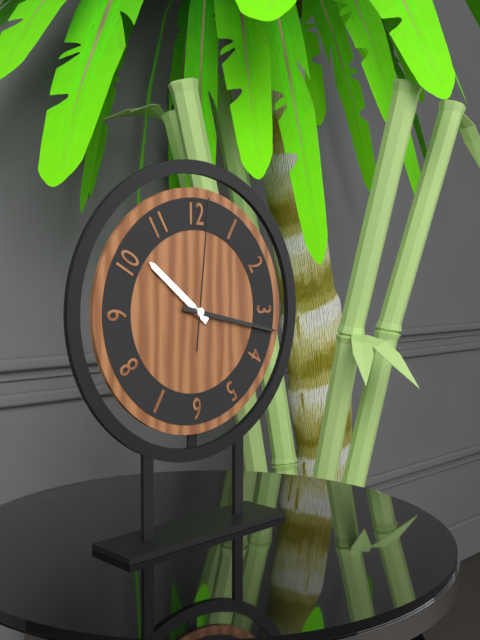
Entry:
h=10 m=17 s=1
